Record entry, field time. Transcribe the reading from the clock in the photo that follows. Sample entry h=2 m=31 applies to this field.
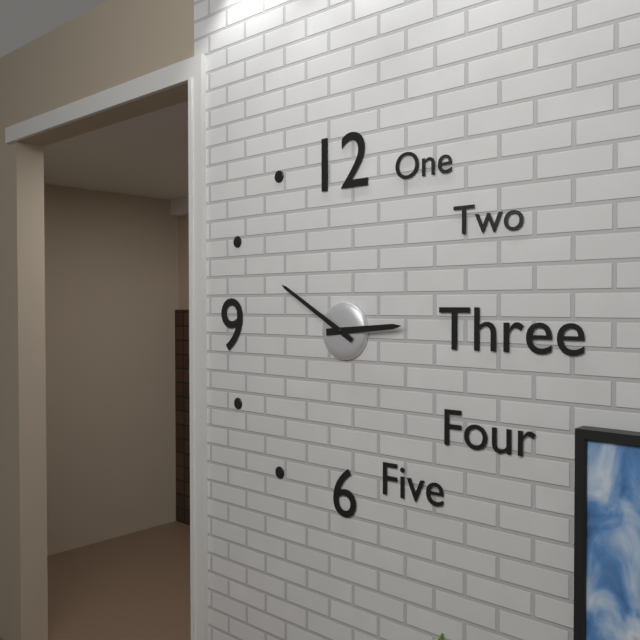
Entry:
h=2 m=50
